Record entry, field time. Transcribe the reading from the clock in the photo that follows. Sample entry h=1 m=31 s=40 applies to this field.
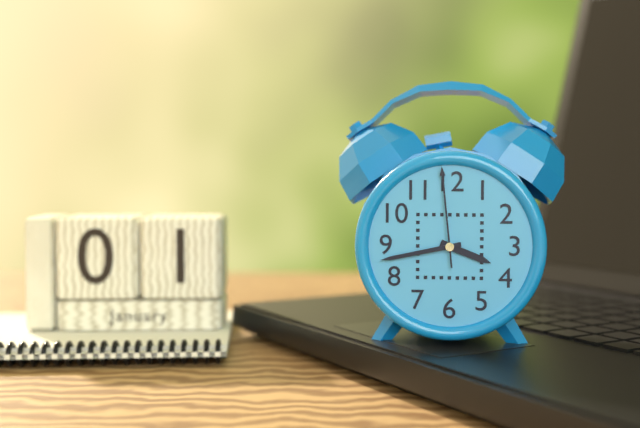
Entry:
h=3 m=43 s=59
